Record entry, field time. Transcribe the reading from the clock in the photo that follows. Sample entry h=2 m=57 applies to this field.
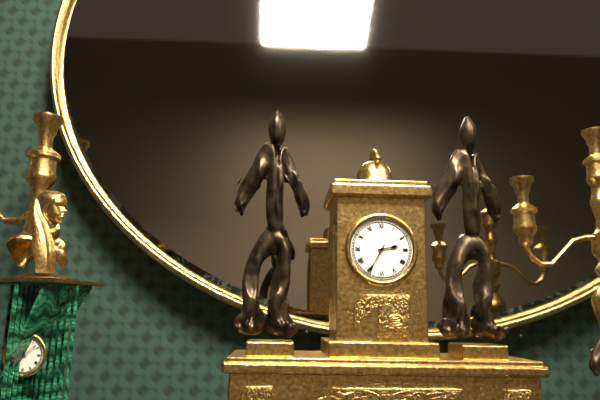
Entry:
h=2 m=35
